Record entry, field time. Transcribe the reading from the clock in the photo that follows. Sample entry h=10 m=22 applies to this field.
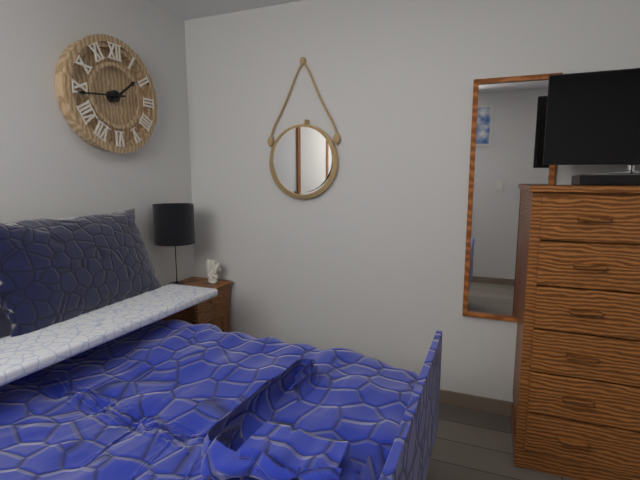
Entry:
h=1 m=44
